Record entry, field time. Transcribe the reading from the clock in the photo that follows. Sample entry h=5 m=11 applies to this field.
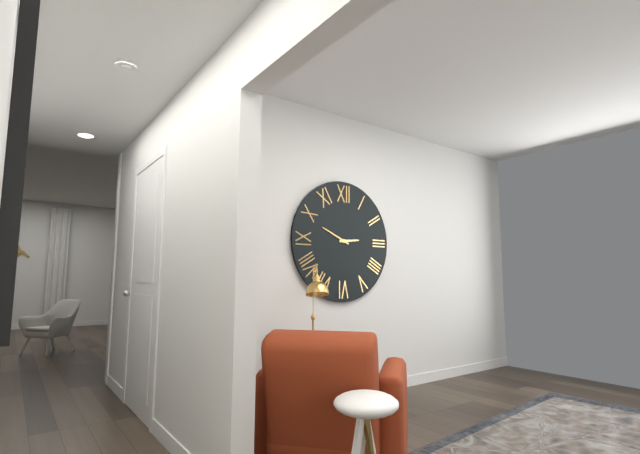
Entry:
h=2 m=49
